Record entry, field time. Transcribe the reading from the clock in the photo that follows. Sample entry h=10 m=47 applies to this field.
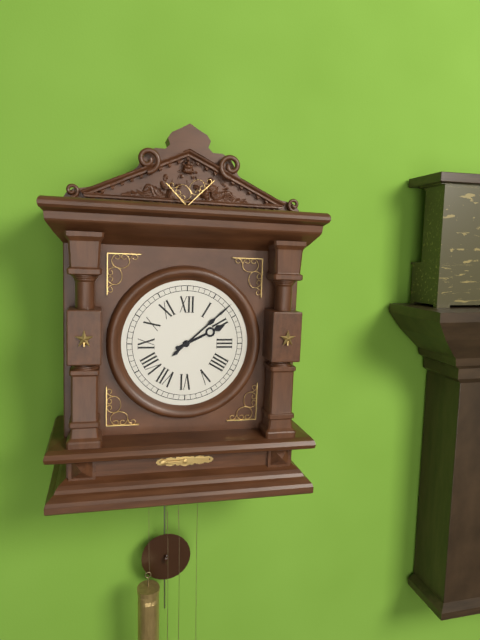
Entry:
h=2 m=8
